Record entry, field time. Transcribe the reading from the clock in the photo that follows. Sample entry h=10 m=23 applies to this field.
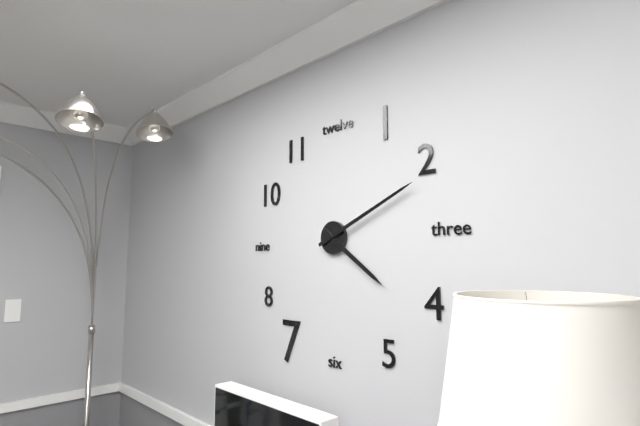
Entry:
h=4 m=11
